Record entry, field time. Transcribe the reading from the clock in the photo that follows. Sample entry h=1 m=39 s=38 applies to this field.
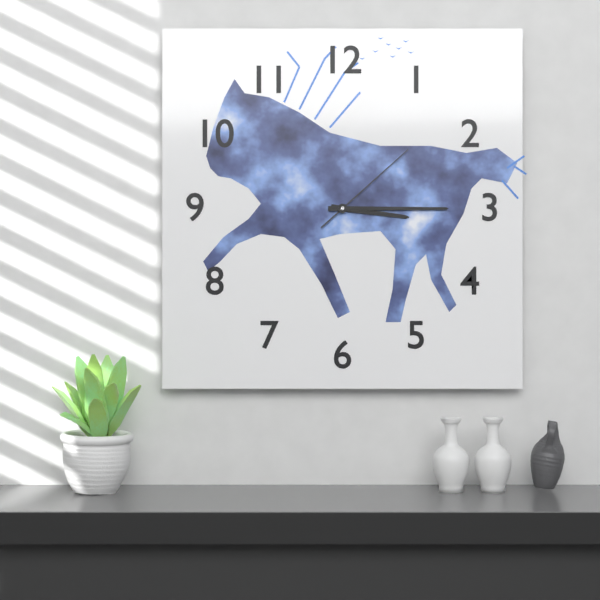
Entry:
h=3 m=15 s=8
